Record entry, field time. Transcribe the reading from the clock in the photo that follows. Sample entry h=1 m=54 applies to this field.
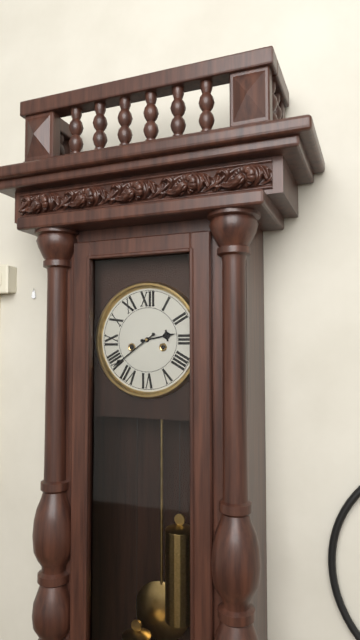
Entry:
h=2 m=39
